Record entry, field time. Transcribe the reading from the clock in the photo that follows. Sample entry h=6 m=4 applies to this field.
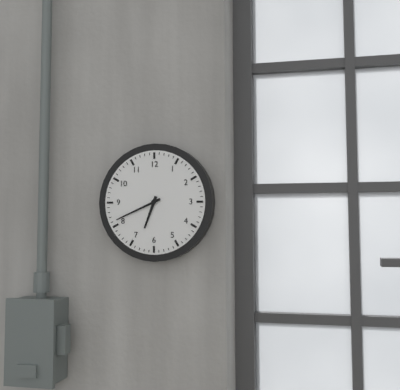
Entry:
h=6 m=41
